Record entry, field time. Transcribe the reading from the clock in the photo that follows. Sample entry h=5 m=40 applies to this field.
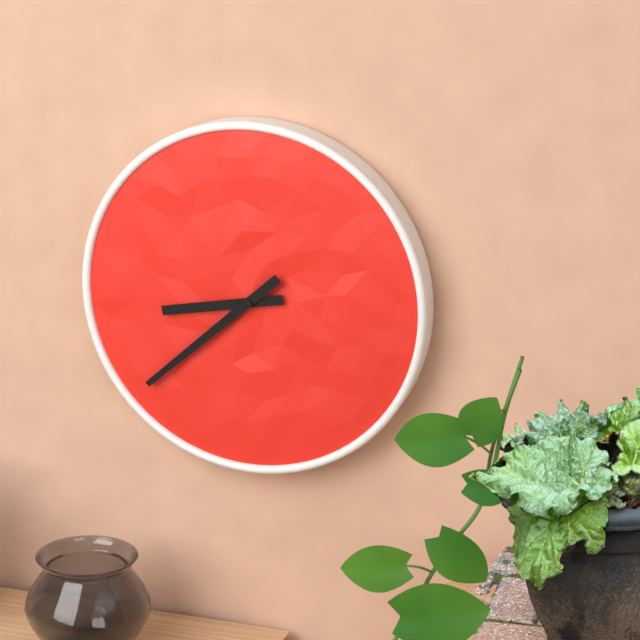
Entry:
h=8 m=38
